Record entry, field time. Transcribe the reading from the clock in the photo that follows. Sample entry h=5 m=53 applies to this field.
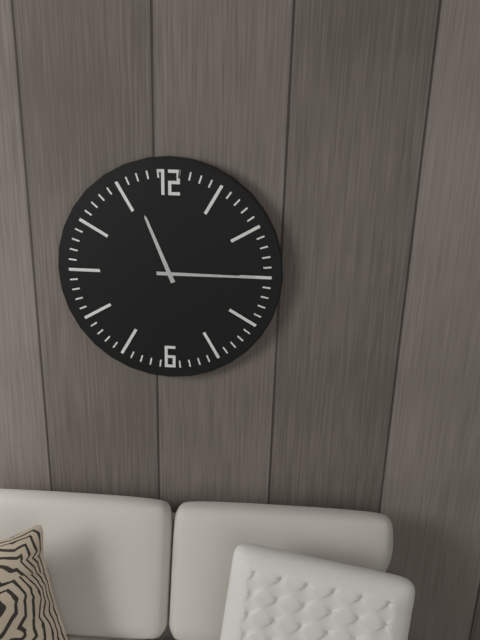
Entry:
h=11 m=15
